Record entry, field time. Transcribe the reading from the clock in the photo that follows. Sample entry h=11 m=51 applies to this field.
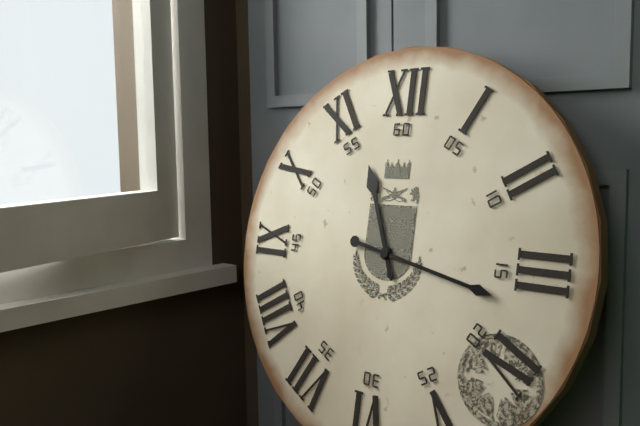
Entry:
h=11 m=17
